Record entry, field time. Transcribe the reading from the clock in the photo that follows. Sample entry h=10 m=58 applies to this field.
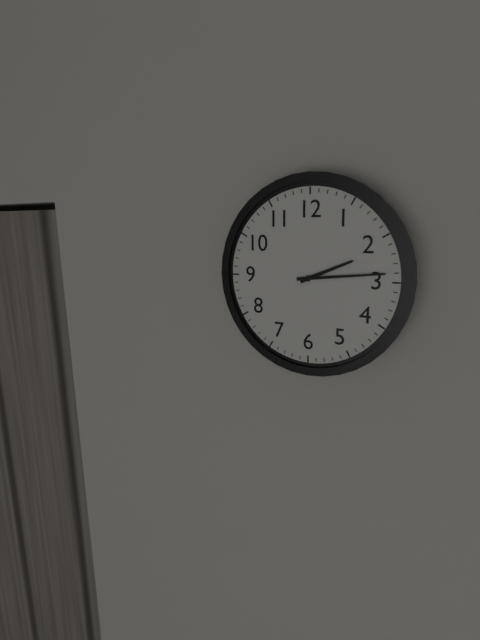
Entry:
h=2 m=14
